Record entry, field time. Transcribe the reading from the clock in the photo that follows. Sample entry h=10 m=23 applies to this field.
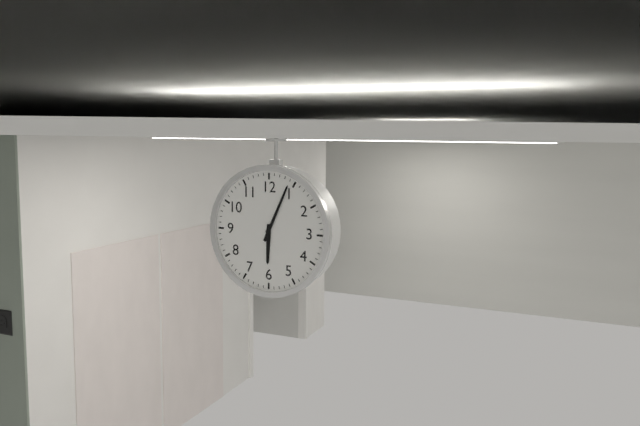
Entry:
h=6 m=4
